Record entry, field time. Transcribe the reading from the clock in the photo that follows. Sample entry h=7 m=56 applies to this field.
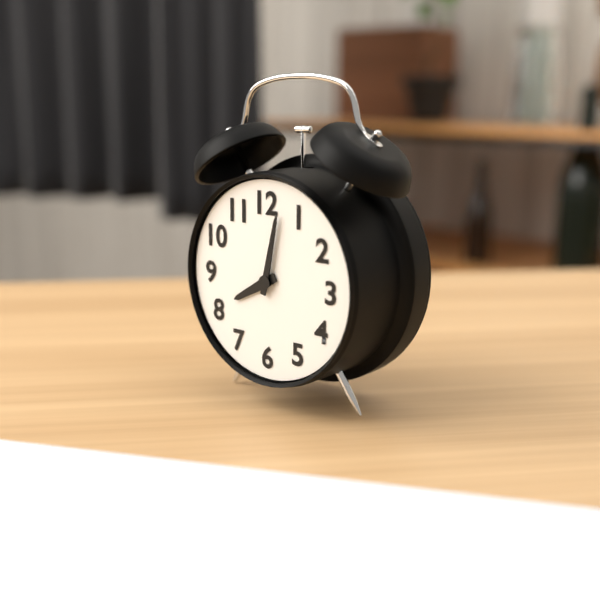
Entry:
h=8 m=2
